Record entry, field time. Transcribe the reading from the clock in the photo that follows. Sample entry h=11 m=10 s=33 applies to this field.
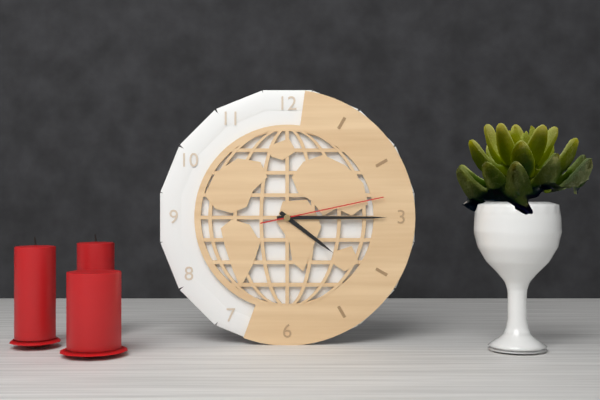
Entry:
h=4 m=15 s=13
